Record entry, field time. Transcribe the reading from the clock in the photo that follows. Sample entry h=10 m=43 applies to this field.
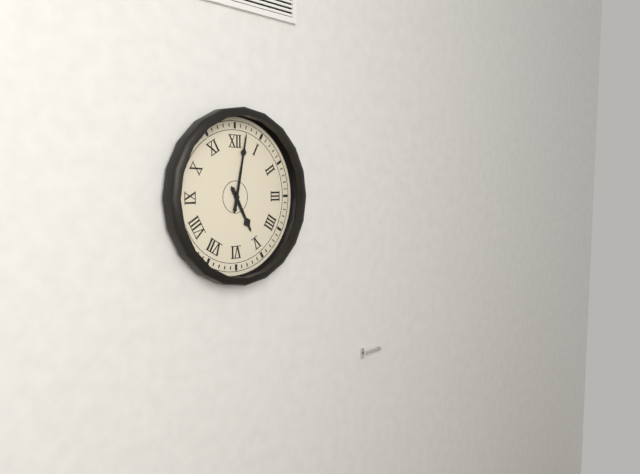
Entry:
h=5 m=2
